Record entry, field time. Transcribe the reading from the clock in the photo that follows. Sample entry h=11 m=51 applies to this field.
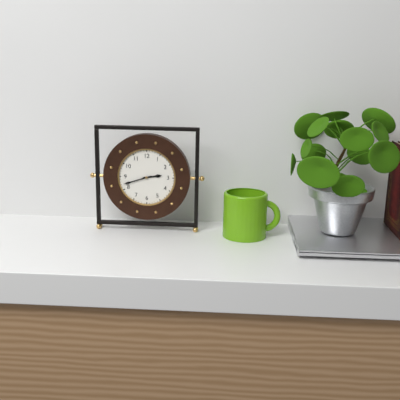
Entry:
h=2 m=42
